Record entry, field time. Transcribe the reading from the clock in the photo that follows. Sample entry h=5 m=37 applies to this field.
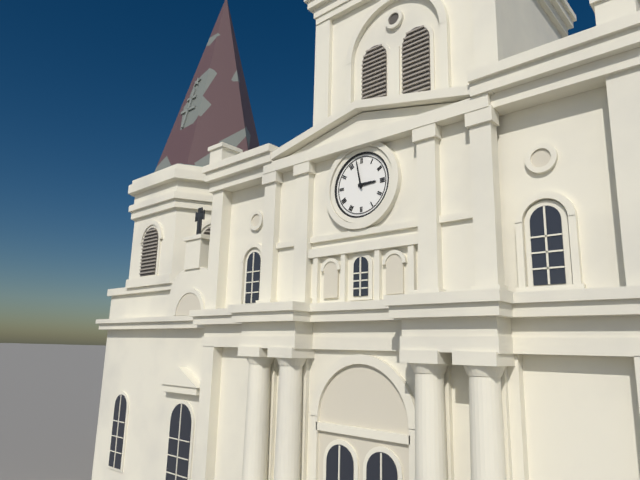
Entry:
h=2 m=58
